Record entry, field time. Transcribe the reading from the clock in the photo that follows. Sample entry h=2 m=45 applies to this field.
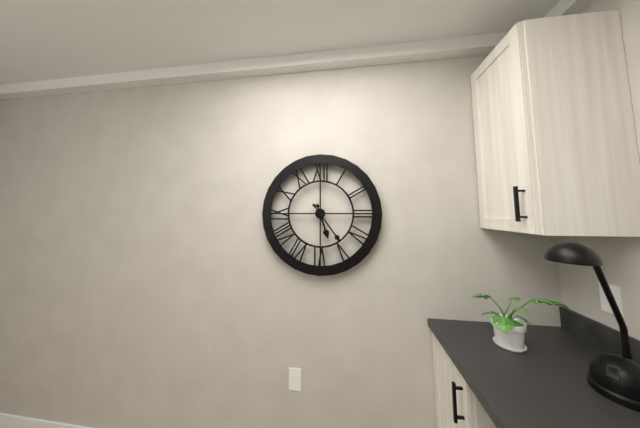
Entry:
h=5 m=24
